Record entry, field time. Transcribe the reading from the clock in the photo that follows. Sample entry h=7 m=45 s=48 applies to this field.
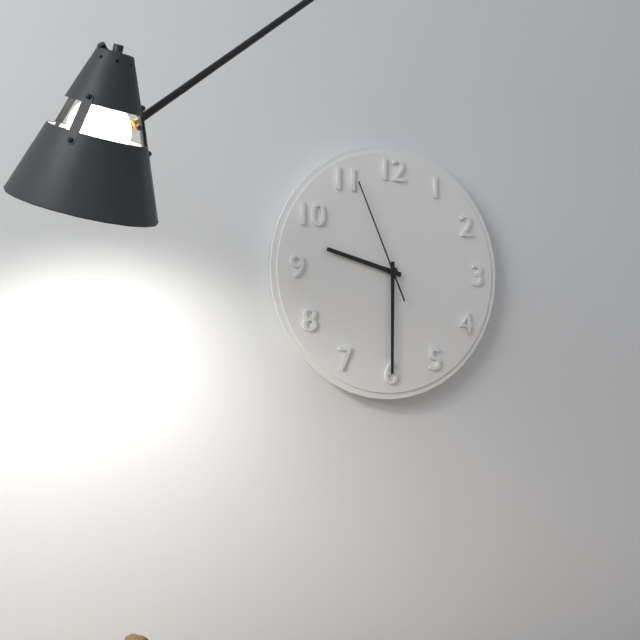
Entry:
h=9 m=30 s=56
